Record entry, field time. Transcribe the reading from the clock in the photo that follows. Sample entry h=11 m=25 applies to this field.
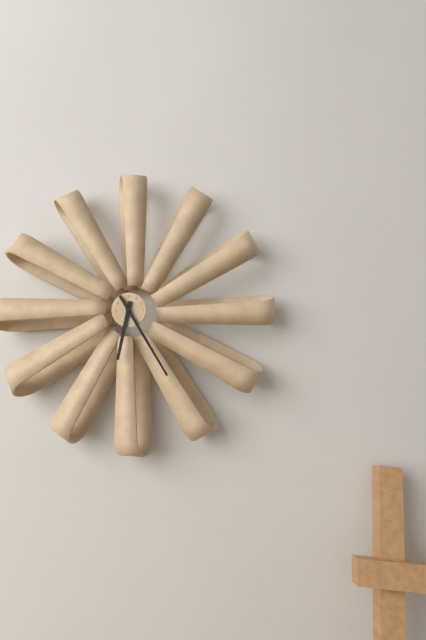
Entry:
h=6 m=25
